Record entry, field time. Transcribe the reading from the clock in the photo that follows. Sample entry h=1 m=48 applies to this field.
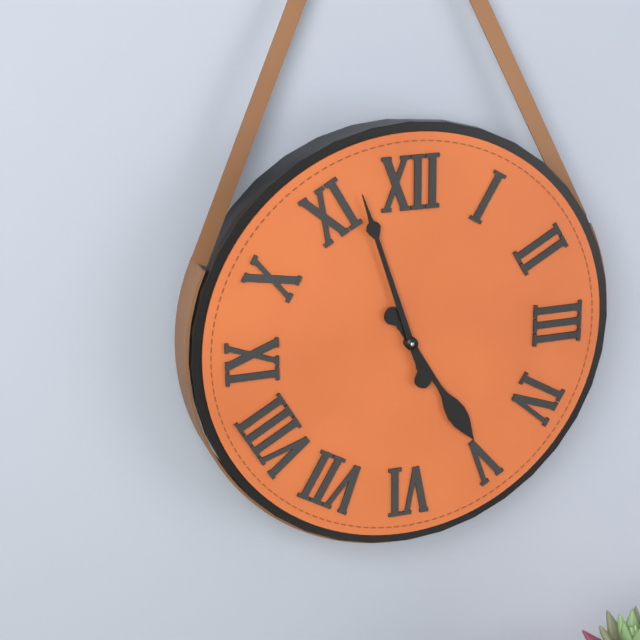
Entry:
h=4 m=57
